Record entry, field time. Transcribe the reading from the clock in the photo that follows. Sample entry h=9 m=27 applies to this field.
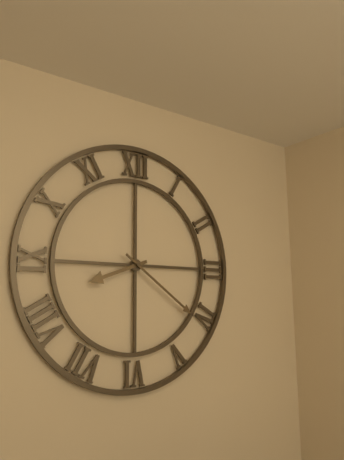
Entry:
h=8 m=21
